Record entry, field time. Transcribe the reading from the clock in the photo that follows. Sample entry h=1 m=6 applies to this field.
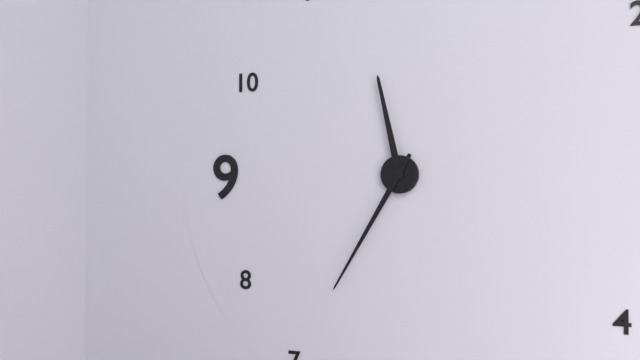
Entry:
h=11 m=35
